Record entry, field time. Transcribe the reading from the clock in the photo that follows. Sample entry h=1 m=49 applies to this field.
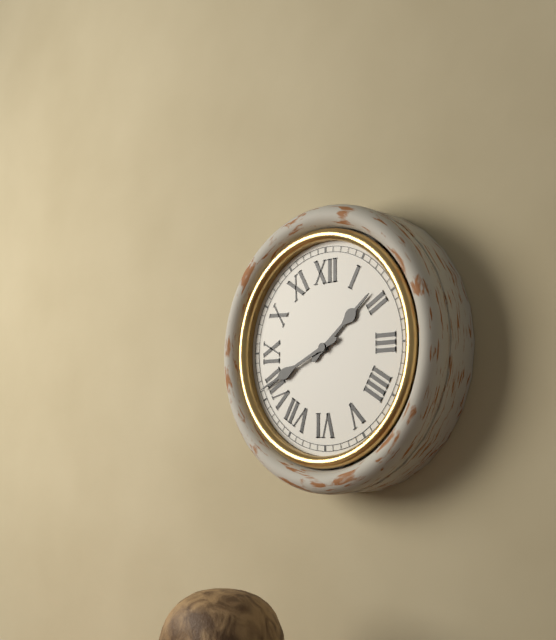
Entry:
h=1 m=41
